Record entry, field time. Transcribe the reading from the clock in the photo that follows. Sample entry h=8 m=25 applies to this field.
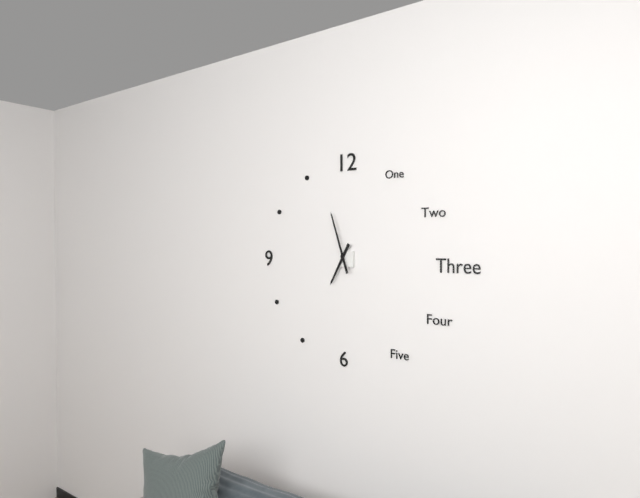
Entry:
h=6 m=57
